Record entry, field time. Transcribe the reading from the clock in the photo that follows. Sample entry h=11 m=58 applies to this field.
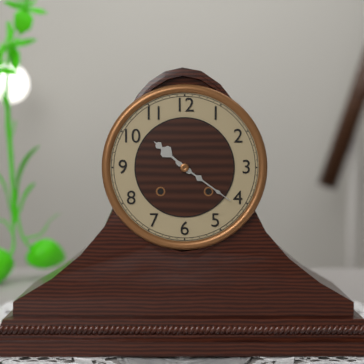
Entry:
h=10 m=21
